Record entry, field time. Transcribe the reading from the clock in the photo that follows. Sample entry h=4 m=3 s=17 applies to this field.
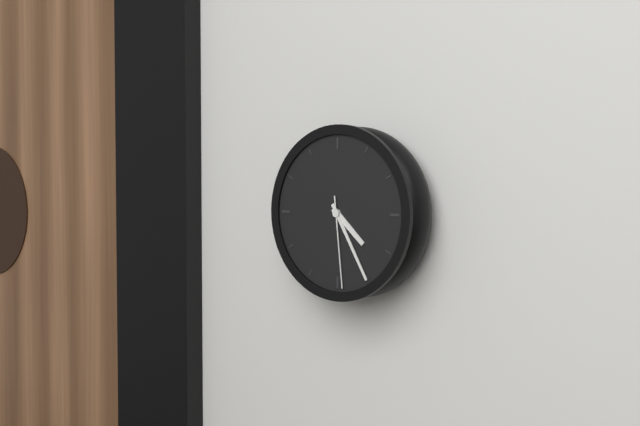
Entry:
h=4 m=25 s=29
